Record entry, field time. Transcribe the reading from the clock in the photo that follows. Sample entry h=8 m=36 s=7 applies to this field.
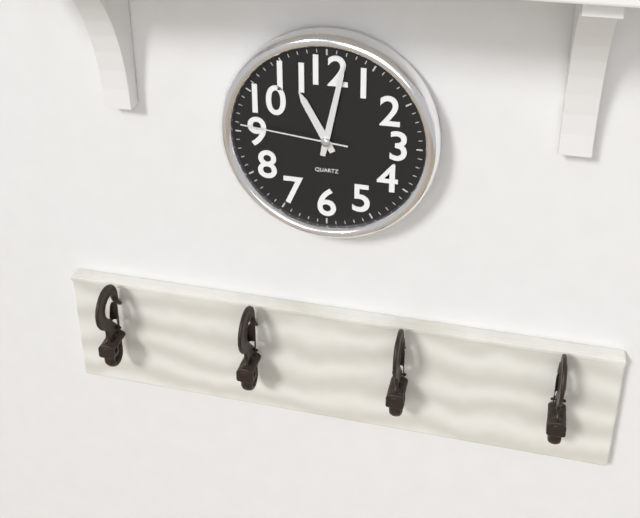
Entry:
h=11 m=2 s=46
